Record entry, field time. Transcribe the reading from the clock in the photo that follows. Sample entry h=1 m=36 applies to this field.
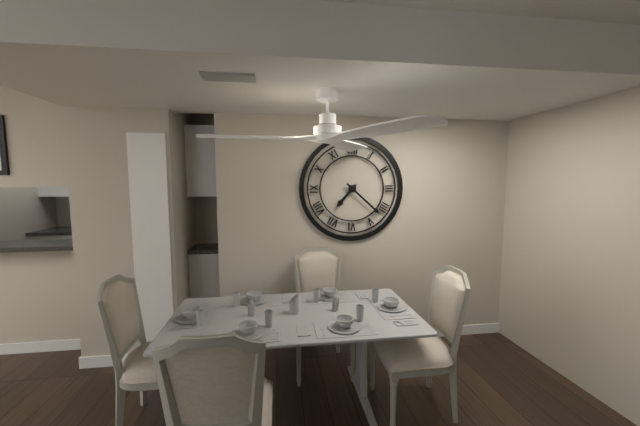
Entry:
h=7 m=22
